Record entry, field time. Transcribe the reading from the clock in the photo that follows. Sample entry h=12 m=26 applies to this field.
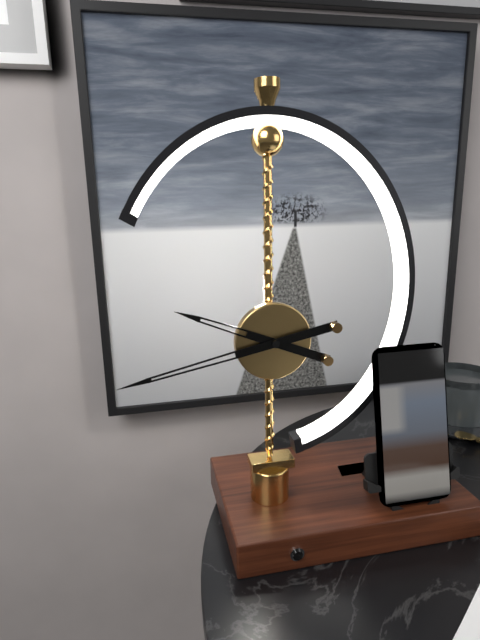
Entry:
h=9 m=43
